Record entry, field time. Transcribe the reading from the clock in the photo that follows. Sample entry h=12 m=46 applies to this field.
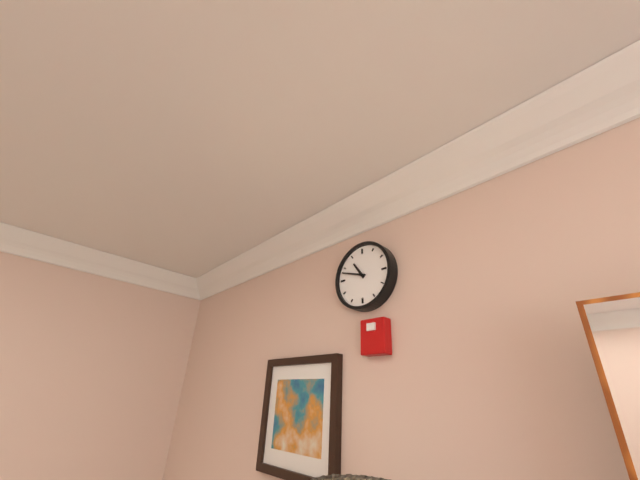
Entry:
h=10 m=48
